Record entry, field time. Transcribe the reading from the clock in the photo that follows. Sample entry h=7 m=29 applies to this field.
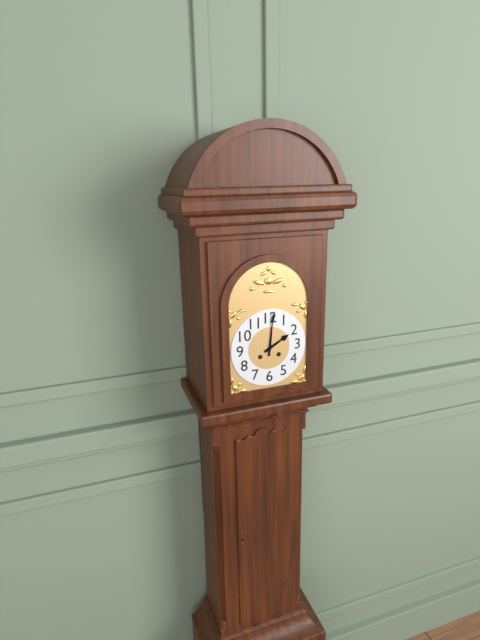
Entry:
h=2 m=1
